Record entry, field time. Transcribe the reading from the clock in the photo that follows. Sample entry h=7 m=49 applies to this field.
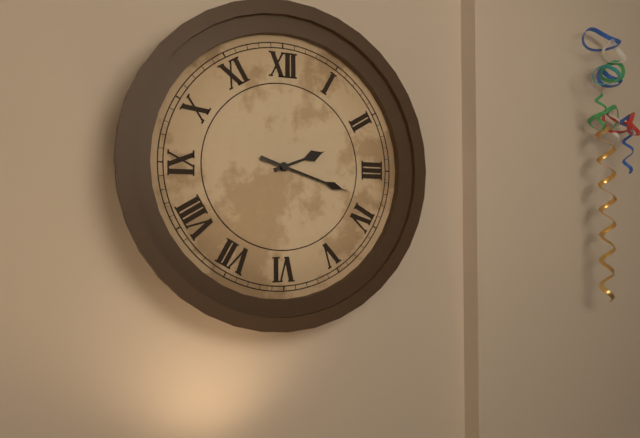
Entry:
h=2 m=18
